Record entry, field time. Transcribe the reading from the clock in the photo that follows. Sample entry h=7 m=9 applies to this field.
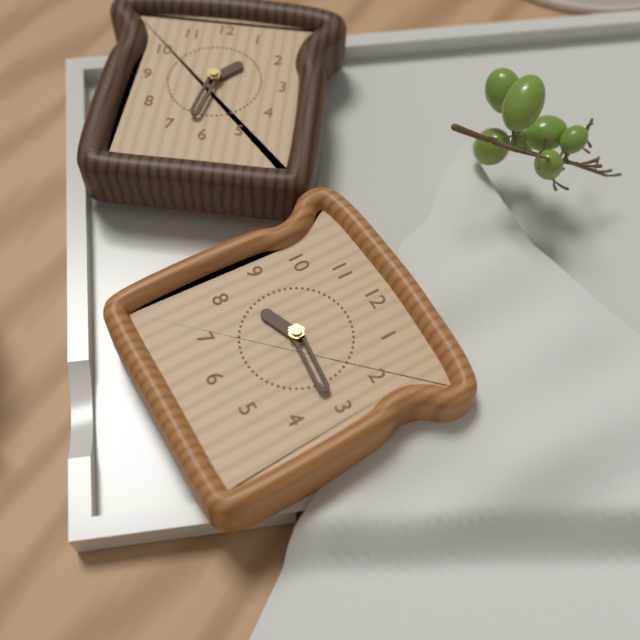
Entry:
h=8 m=16
